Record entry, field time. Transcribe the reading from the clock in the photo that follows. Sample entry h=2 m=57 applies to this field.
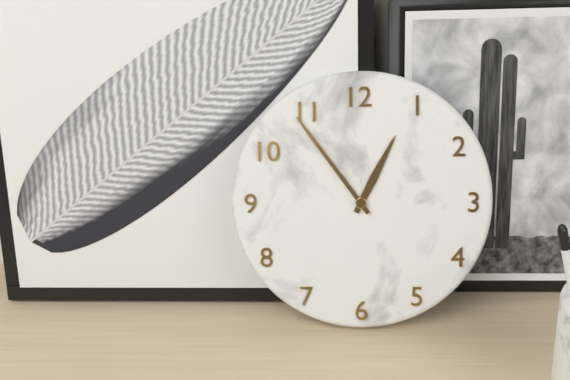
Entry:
h=12 m=54
